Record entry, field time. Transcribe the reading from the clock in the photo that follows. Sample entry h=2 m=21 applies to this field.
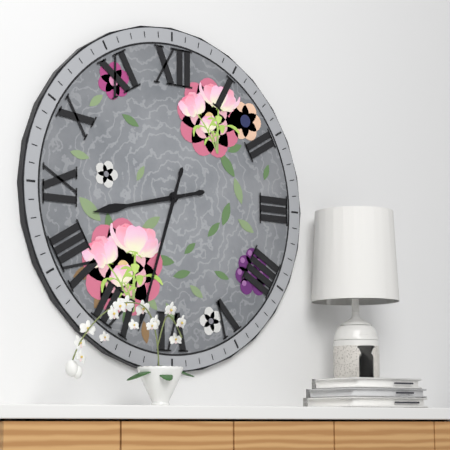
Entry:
h=8 m=33
